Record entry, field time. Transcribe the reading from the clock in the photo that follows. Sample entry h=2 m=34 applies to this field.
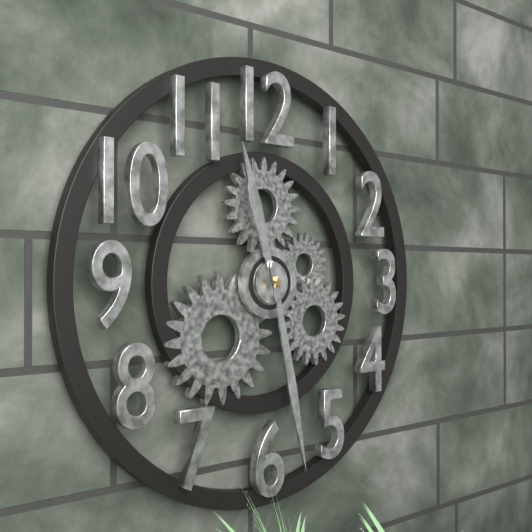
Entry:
h=11 m=28
